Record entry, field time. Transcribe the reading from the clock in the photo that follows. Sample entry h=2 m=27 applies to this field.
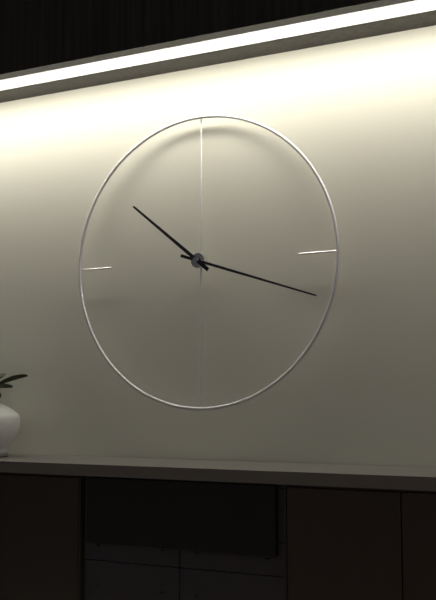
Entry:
h=10 m=18
